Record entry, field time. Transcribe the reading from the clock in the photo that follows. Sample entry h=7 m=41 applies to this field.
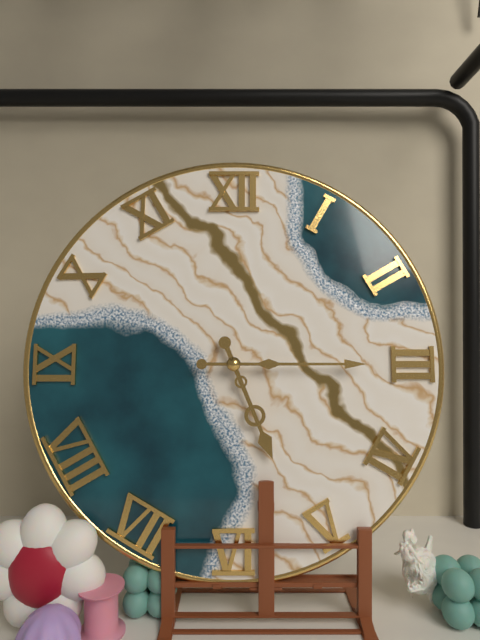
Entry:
h=5 m=15
